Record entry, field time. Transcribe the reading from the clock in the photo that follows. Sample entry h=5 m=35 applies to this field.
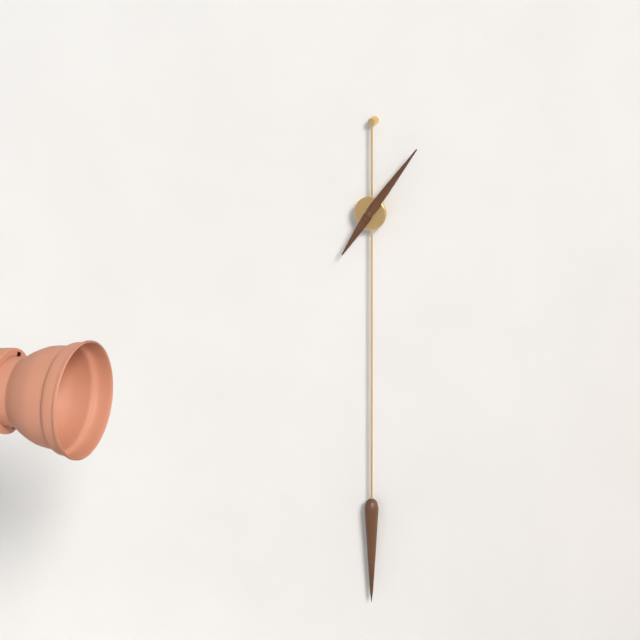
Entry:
h=7 m=6
